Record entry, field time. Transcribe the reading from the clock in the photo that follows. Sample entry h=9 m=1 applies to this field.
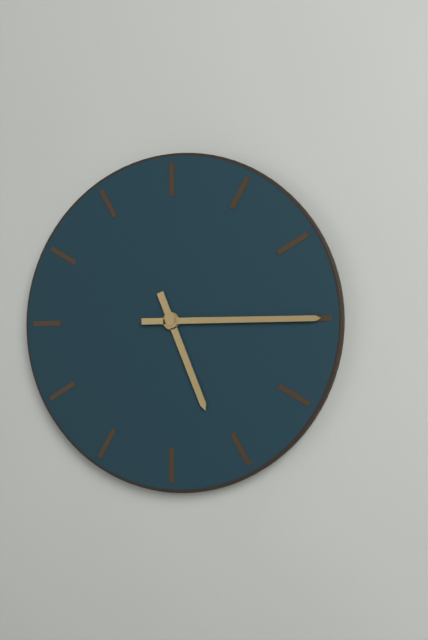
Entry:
h=5 m=15
